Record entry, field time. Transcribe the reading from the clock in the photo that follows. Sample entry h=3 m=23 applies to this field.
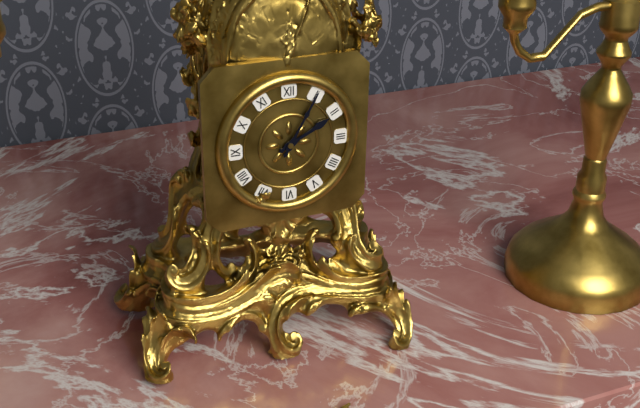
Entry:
h=2 m=5
